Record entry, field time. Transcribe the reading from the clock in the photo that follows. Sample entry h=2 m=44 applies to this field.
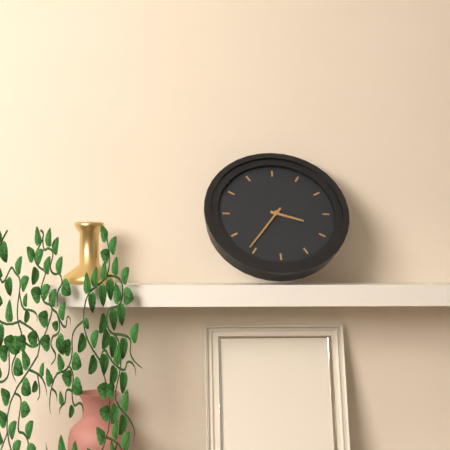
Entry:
h=3 m=36
